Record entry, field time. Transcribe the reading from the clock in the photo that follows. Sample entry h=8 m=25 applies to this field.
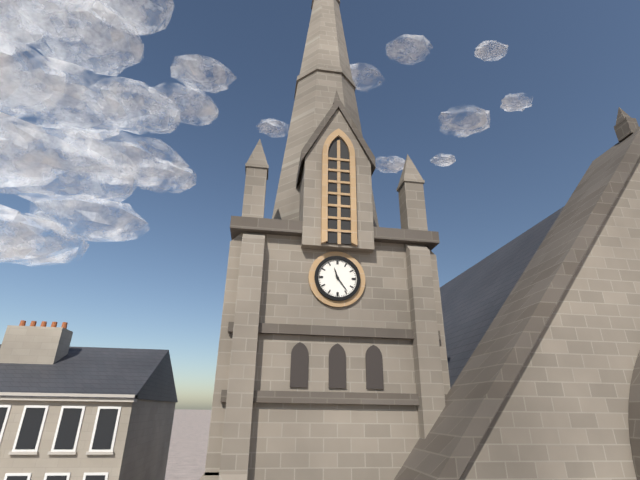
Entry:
h=11 m=24
